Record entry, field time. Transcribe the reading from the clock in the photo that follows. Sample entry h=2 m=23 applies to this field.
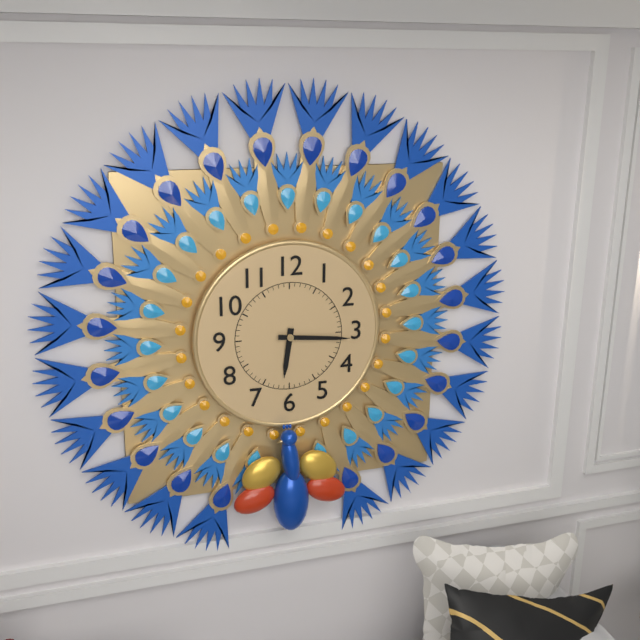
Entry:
h=6 m=16
